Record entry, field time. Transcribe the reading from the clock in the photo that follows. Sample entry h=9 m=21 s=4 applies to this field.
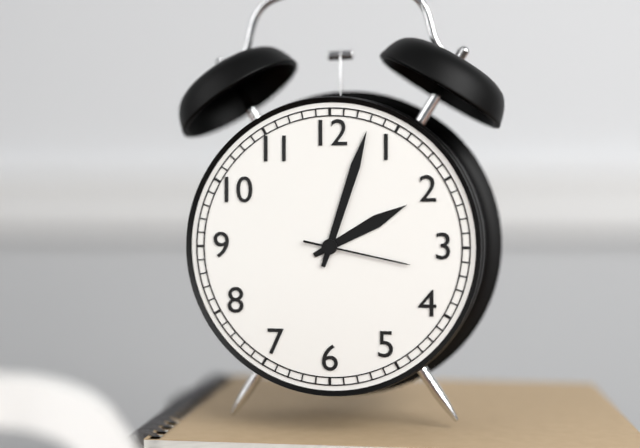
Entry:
h=2 m=3 s=17
